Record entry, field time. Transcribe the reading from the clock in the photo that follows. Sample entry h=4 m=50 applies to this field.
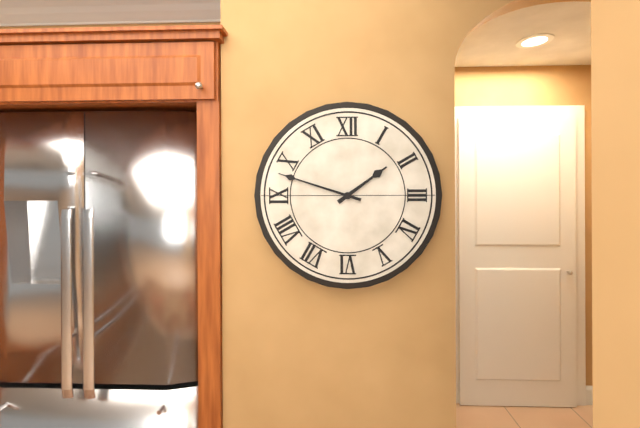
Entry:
h=1 m=48
